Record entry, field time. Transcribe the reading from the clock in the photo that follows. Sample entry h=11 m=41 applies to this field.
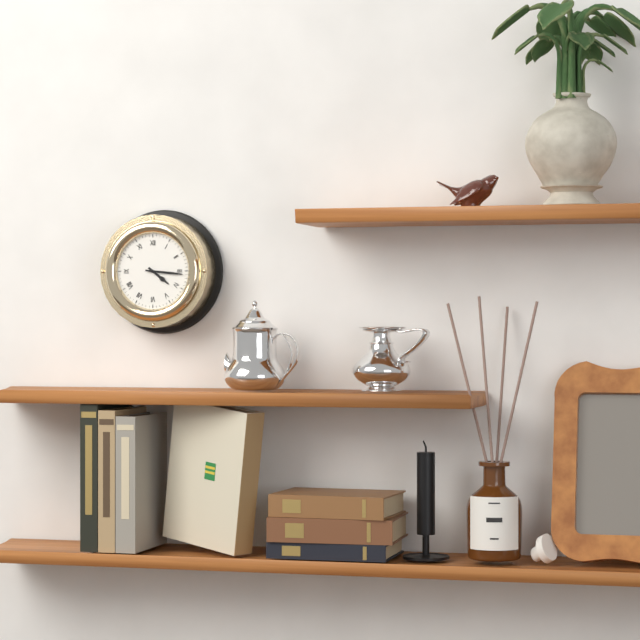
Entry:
h=4 m=16
